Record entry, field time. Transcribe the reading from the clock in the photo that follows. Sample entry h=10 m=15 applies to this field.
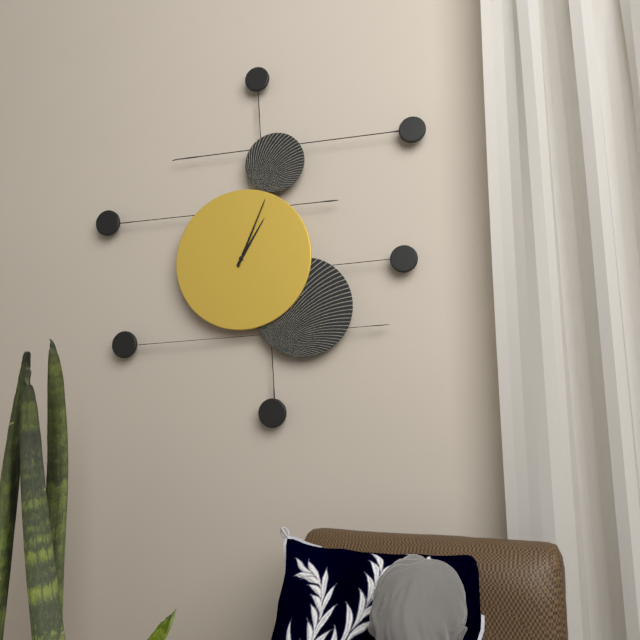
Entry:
h=1 m=4
